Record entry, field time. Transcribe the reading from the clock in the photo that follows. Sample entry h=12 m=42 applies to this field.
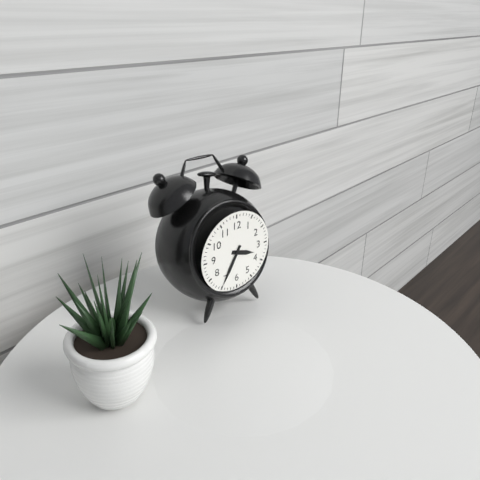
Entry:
h=3 m=35
